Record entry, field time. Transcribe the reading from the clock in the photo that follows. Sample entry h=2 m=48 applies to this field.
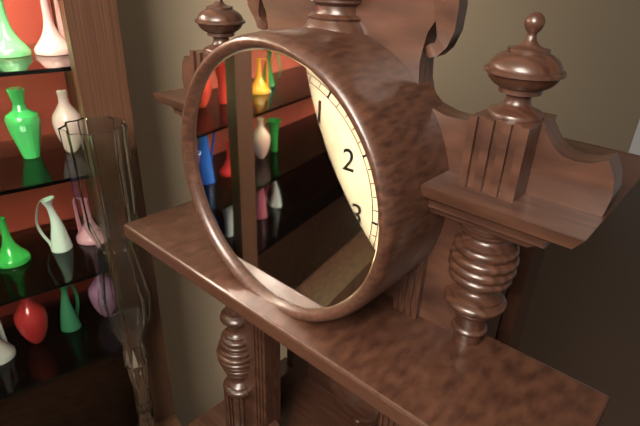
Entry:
h=1 m=18
